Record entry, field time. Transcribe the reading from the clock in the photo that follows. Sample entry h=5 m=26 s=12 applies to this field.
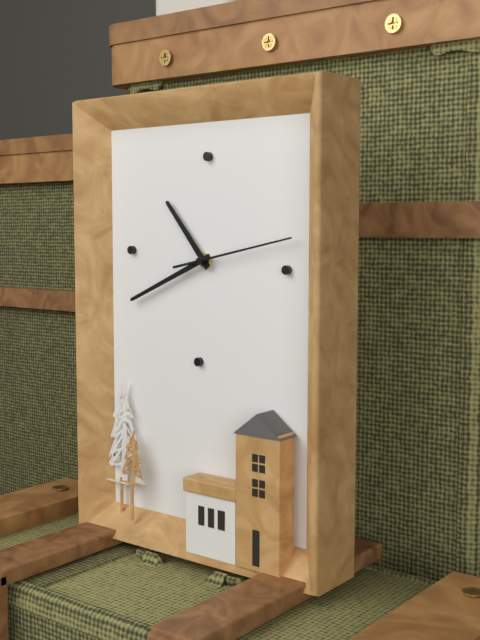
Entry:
h=10 m=41 s=13
